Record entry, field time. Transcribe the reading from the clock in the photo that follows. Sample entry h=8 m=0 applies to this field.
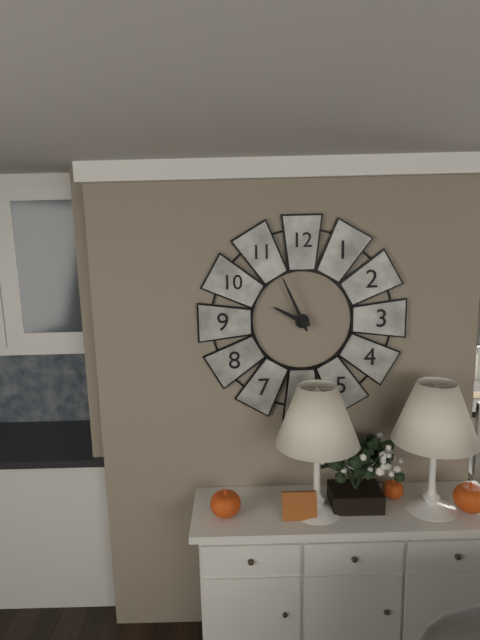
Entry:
h=9 m=56
